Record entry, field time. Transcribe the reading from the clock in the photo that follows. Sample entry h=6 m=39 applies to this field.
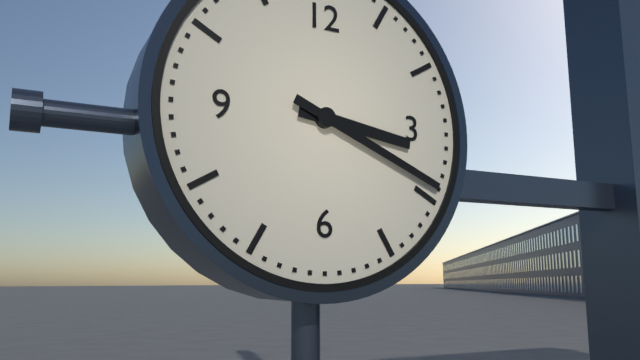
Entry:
h=3 m=19
